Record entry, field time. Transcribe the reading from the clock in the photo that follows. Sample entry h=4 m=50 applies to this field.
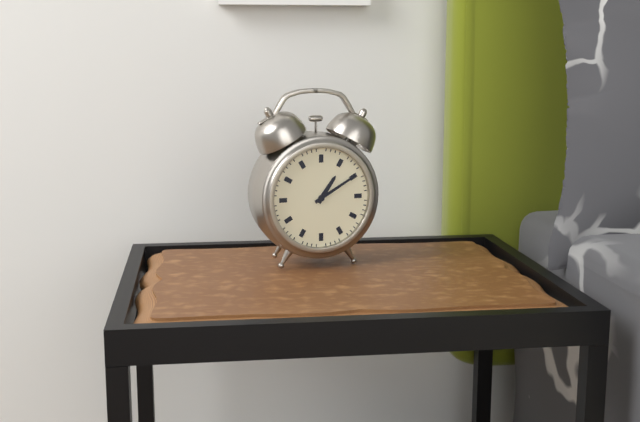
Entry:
h=1 m=10
